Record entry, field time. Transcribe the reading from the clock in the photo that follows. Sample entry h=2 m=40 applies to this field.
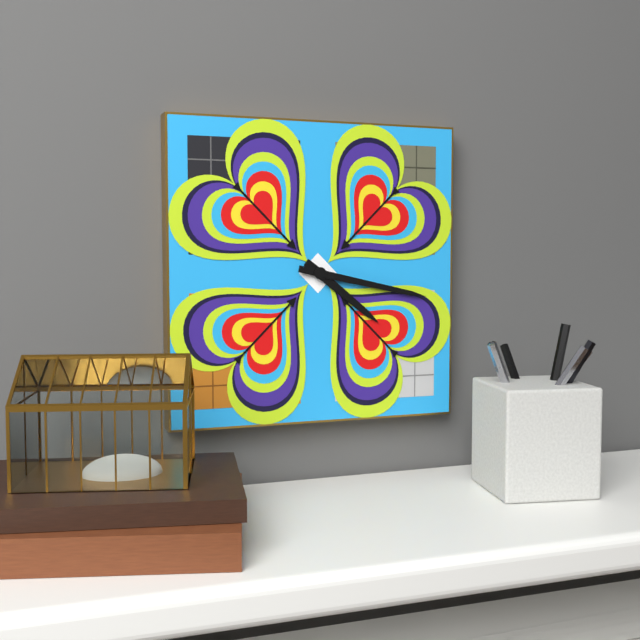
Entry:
h=4 m=17
